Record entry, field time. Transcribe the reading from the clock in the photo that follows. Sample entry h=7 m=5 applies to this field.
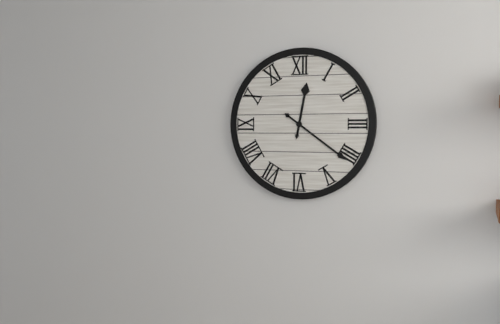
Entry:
h=12 m=21
